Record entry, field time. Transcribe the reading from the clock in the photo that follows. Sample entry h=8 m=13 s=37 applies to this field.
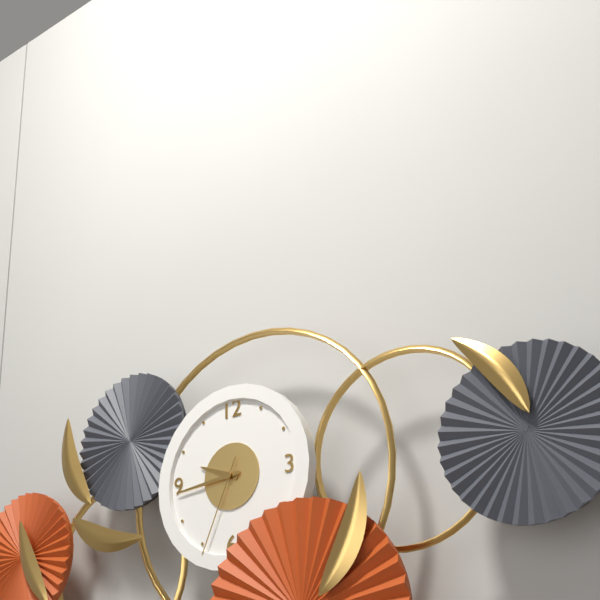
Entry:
h=9 m=44 s=34
